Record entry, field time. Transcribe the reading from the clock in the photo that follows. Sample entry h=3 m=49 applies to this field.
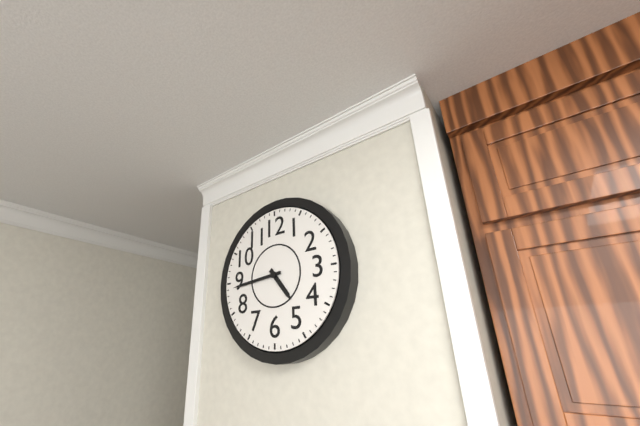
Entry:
h=4 m=44
